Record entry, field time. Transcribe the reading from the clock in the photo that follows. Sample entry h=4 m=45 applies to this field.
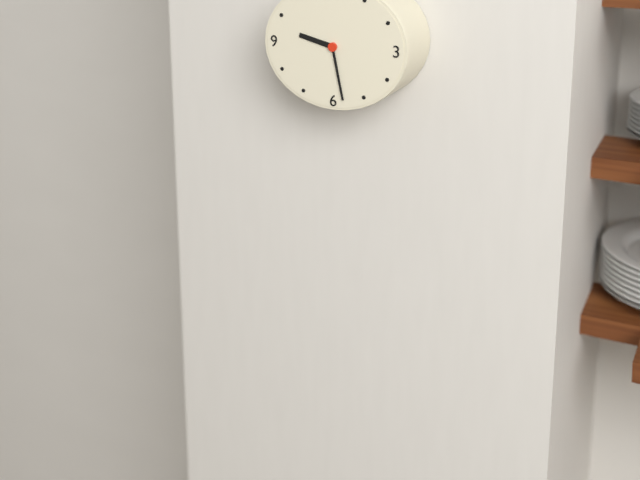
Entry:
h=9 m=28
